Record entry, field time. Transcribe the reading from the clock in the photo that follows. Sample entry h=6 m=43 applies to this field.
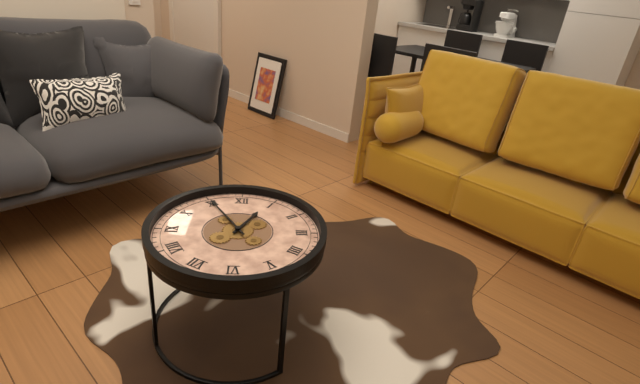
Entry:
h=12 m=55
